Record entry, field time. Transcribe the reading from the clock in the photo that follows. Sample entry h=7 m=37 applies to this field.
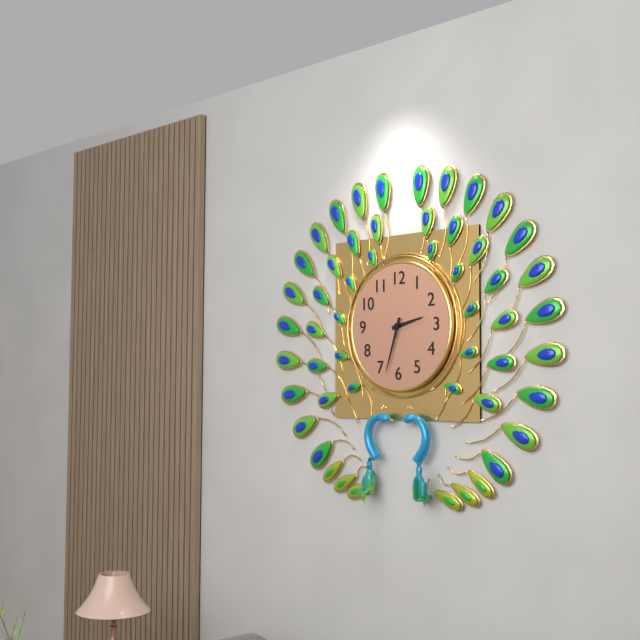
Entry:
h=2 m=33
